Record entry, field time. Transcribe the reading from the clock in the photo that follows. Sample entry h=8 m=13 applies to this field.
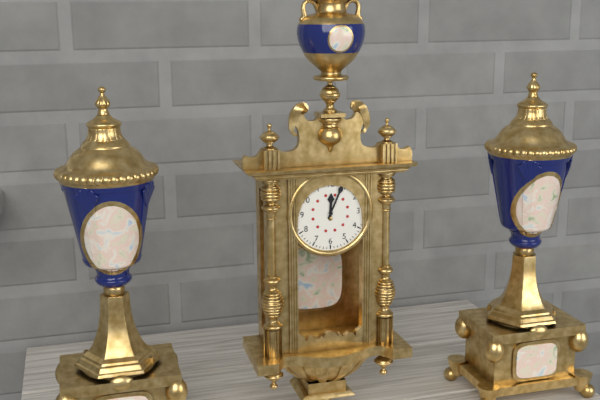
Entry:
h=12 m=4
